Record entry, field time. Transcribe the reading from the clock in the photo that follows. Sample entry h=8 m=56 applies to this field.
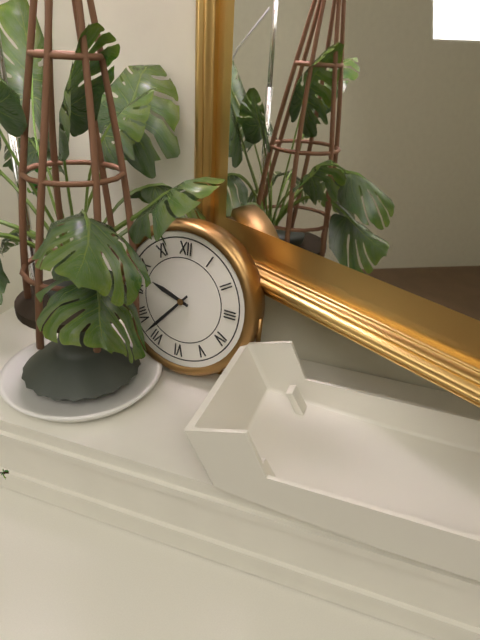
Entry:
h=9 m=37
